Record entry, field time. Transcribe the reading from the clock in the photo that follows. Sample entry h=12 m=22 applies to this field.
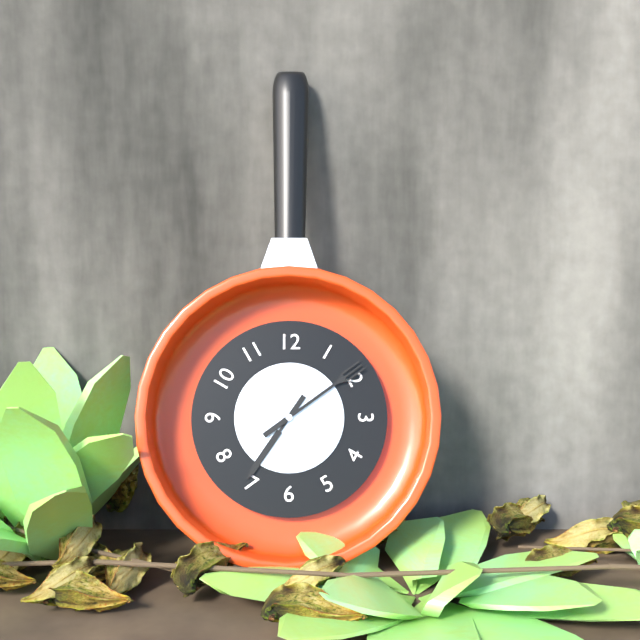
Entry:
h=7 m=9
